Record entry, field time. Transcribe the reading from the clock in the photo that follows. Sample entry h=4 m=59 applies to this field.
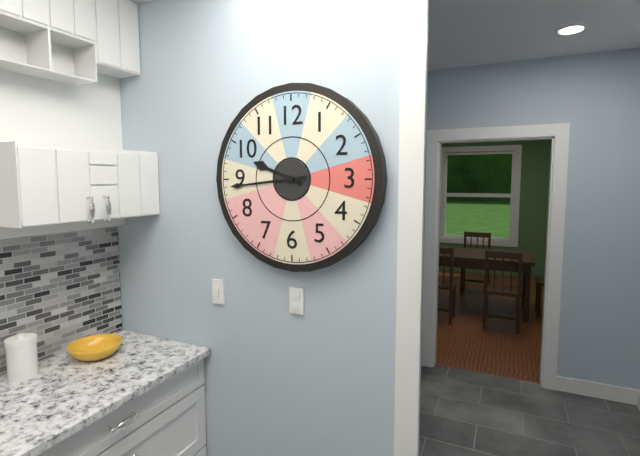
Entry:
h=9 m=44
